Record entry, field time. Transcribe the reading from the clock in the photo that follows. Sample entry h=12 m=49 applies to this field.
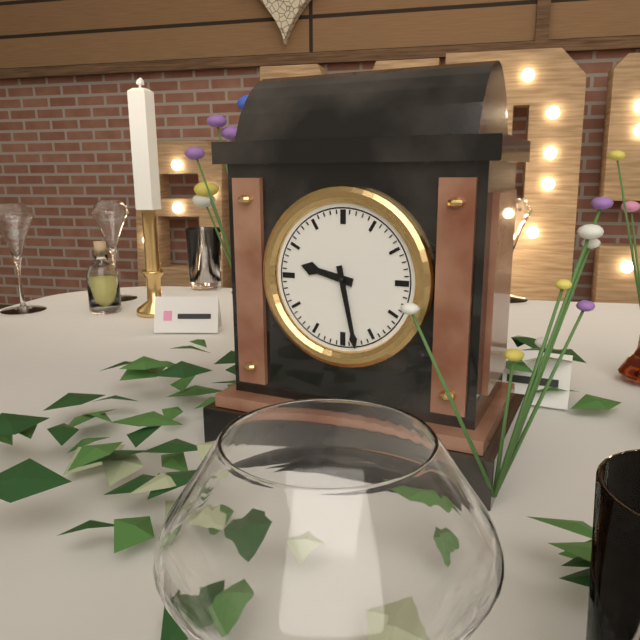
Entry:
h=9 m=28
